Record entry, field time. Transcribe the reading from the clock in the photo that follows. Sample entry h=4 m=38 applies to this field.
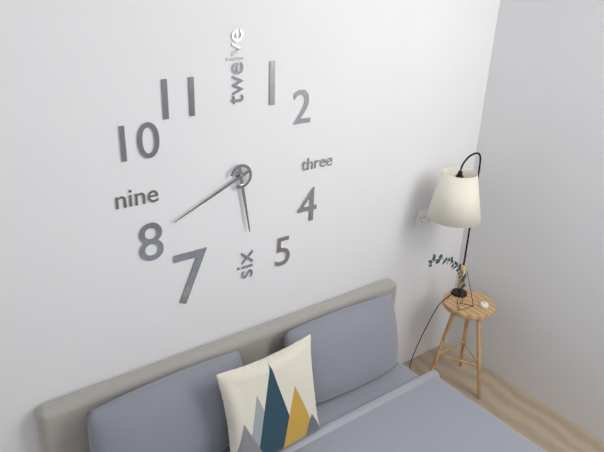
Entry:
h=5 m=41
